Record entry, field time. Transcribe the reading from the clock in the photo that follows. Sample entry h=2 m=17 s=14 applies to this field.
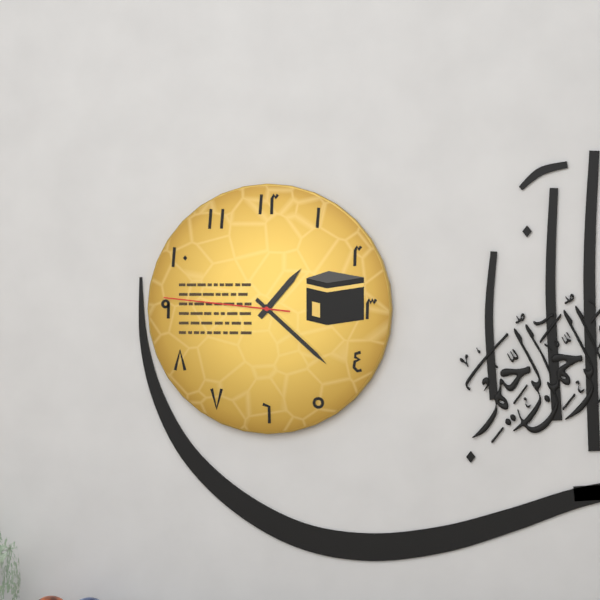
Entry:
h=1 m=22 s=46
